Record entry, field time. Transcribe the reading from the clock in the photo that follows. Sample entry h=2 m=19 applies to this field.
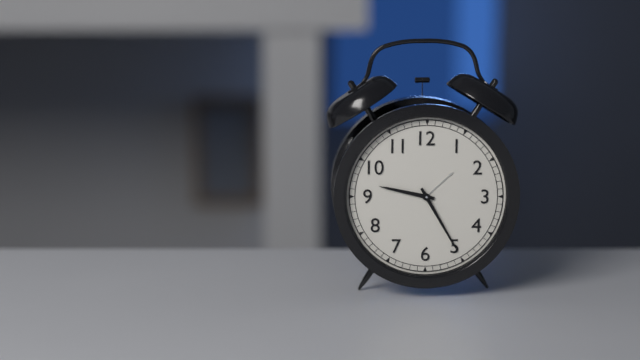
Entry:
h=9 m=25
